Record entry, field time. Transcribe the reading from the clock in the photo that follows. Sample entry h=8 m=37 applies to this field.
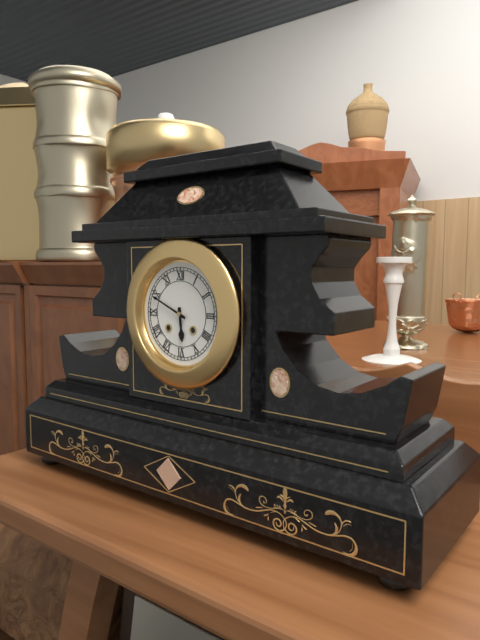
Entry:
h=5 m=49
